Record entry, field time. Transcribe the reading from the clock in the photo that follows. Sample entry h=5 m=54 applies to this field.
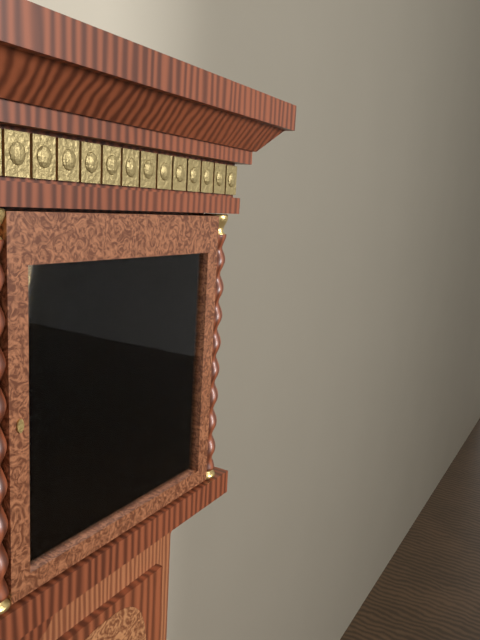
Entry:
h=9 m=7
